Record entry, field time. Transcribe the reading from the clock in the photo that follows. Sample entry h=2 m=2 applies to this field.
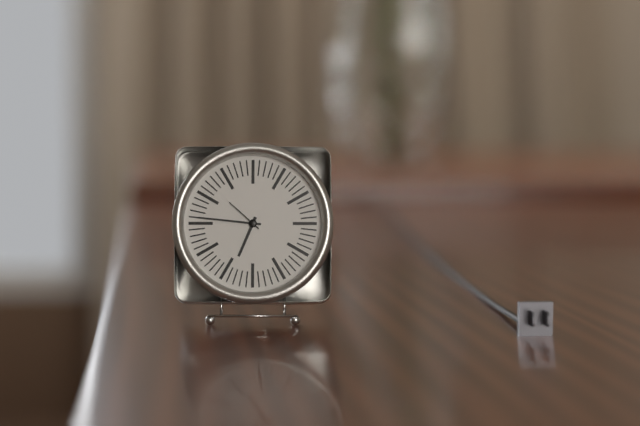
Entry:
h=6 m=46
